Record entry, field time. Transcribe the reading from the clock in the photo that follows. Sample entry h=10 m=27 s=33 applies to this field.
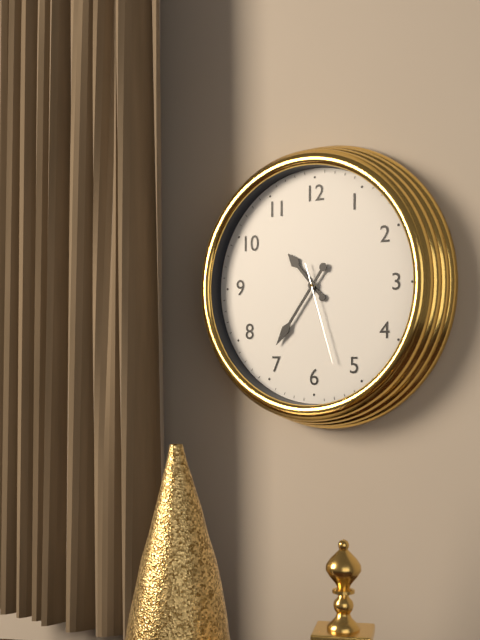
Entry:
h=10 m=36 s=27
